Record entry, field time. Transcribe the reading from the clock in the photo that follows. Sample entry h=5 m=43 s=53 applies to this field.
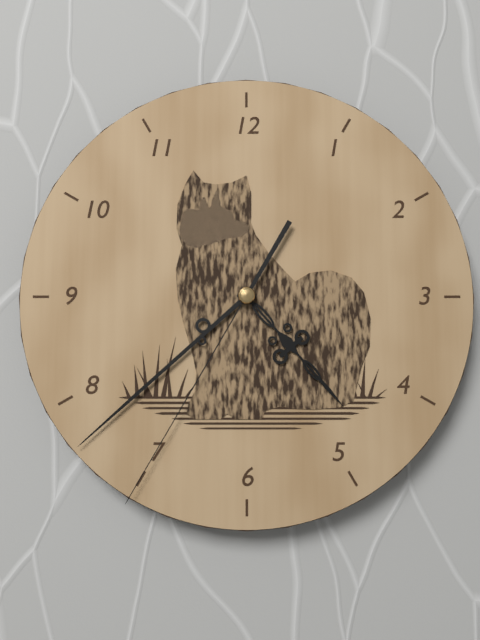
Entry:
h=4 m=38 s=35
